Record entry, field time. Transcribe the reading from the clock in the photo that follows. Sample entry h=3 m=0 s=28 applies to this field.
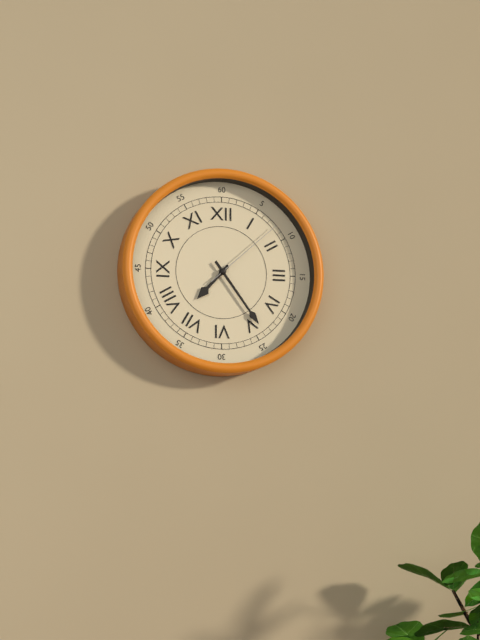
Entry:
h=7 m=24 s=8
